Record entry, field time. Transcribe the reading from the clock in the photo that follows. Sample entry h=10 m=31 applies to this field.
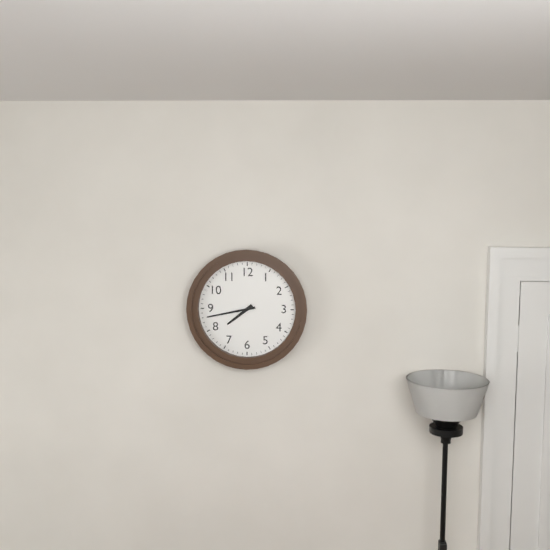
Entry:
h=7 m=43
